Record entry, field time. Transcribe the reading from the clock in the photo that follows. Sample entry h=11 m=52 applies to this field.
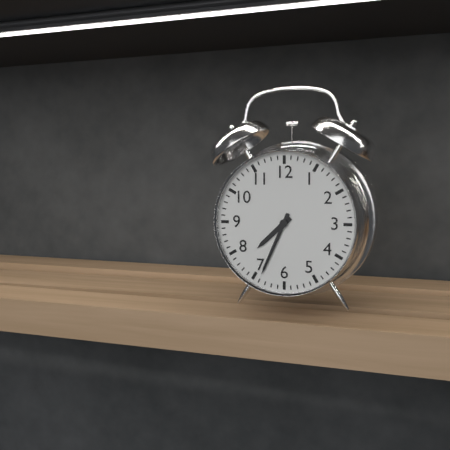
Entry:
h=7 m=34
